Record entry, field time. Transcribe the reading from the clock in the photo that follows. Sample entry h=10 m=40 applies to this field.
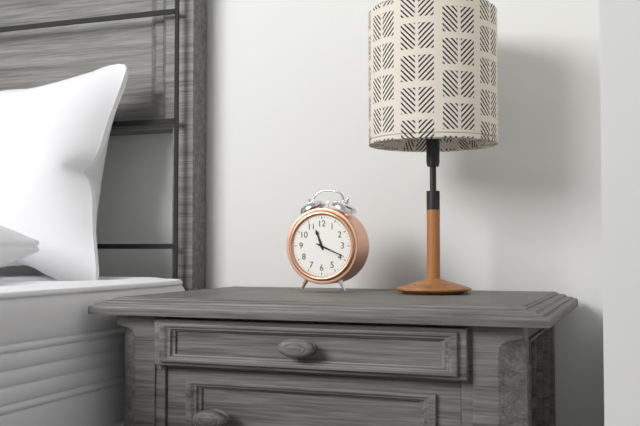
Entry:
h=11 m=19
